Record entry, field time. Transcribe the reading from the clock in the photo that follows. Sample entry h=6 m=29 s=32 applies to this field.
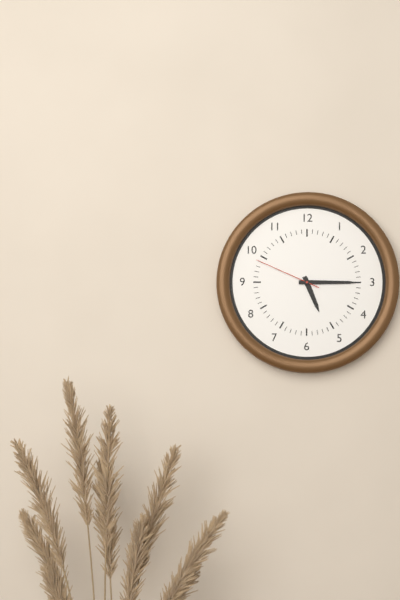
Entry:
h=5 m=15 s=49
